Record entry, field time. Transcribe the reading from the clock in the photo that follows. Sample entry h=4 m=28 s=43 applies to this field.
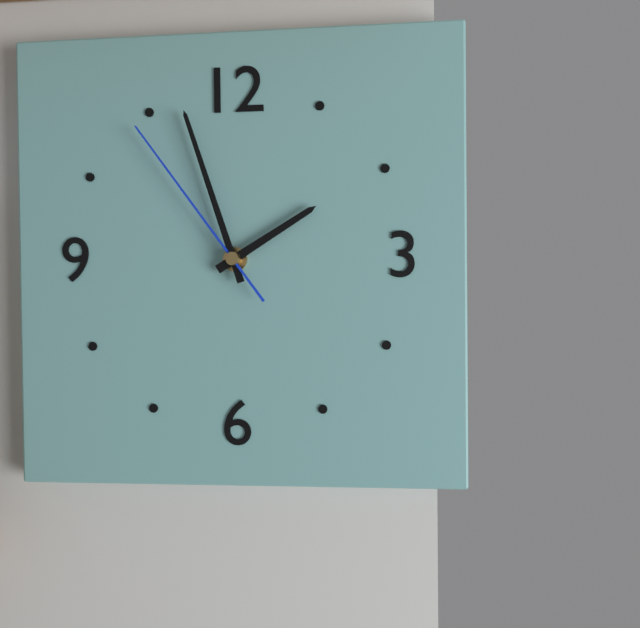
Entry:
h=1 m=57 s=54
